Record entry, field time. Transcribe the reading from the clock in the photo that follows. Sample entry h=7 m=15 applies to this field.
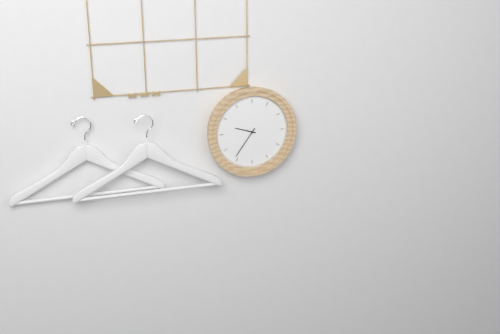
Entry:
h=9 m=36
